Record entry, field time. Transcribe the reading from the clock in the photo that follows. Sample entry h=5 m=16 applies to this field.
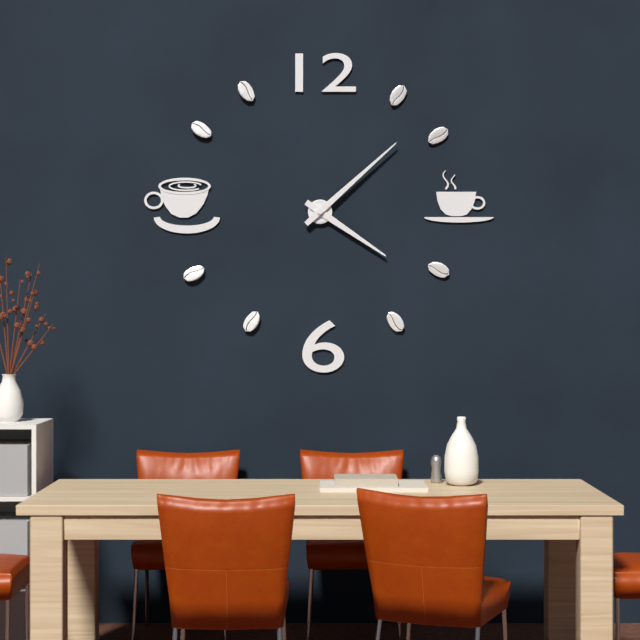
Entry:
h=4 m=8
